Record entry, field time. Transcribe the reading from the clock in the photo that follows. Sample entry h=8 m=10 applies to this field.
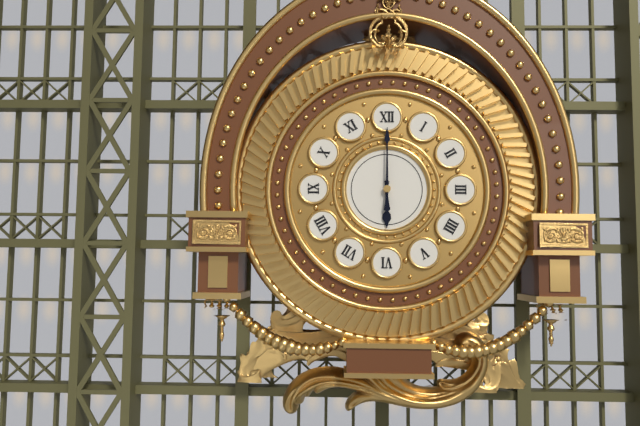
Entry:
h=6 m=0
